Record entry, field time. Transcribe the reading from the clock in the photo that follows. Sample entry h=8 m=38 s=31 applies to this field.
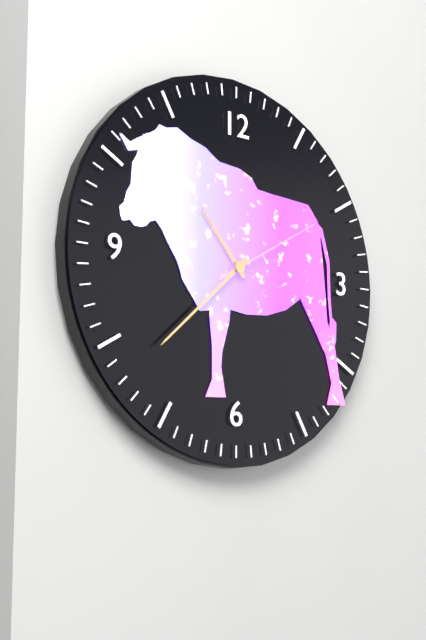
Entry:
h=10 m=38 s=10
